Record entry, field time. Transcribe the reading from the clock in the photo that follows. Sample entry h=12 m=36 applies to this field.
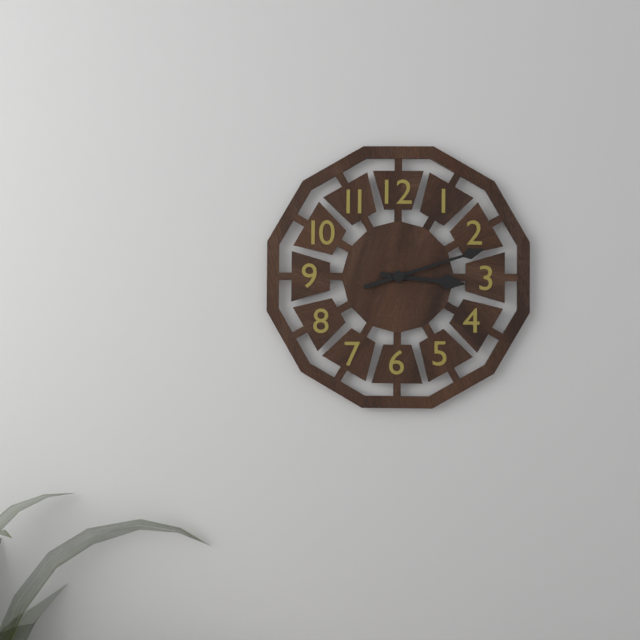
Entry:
h=3 m=12
